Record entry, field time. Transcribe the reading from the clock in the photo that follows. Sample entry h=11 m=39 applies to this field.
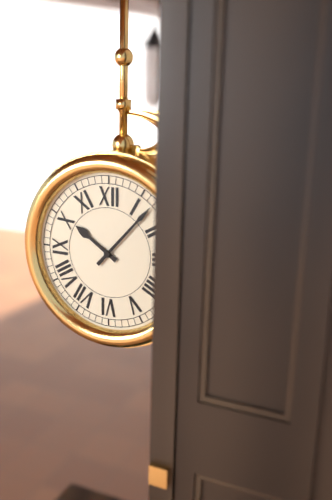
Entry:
h=10 m=7
